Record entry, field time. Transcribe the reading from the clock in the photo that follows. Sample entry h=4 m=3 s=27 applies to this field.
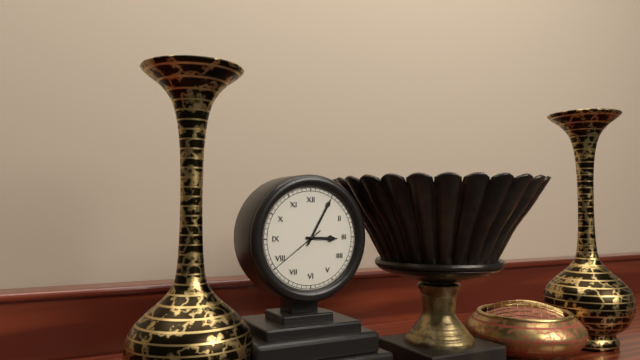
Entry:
h=3 m=5 s=39
